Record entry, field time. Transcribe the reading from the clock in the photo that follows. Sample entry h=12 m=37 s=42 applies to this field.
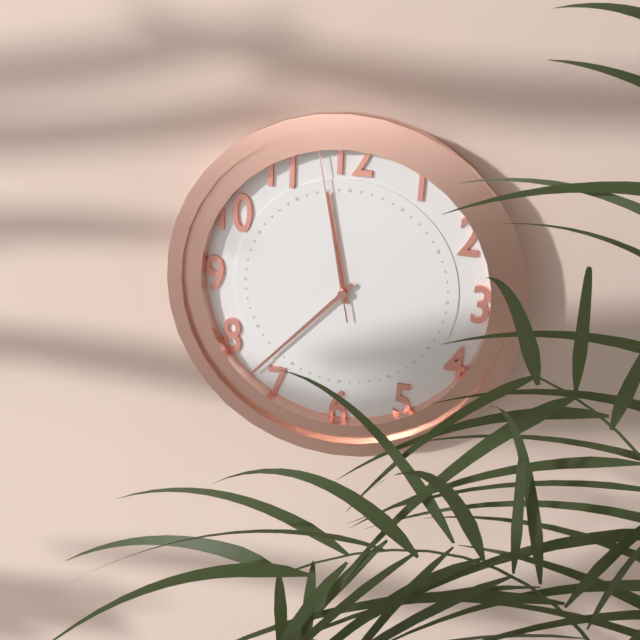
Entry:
h=11 m=37 s=58
